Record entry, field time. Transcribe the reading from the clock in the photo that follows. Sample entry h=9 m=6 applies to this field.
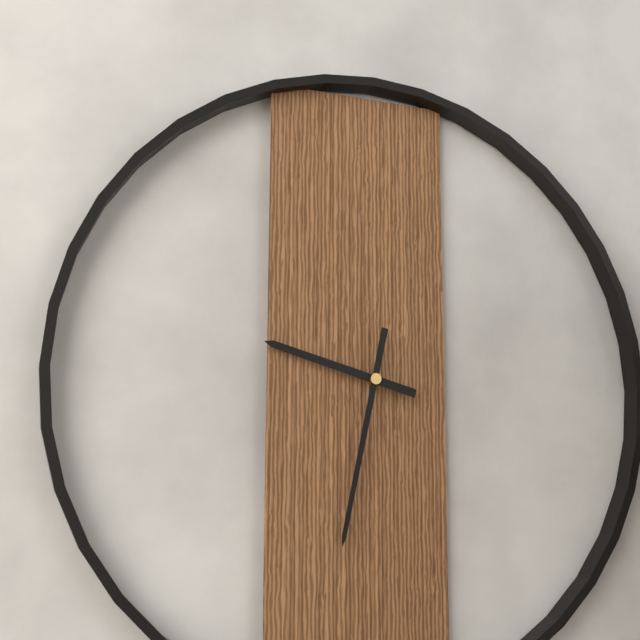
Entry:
h=9 m=32
